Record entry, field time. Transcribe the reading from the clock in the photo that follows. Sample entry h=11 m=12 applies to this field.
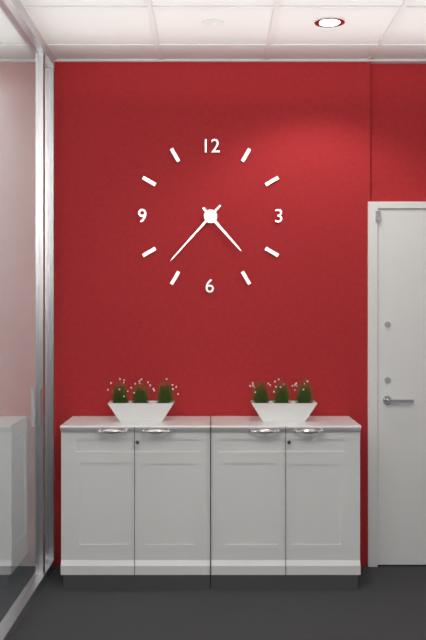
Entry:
h=4 m=37
